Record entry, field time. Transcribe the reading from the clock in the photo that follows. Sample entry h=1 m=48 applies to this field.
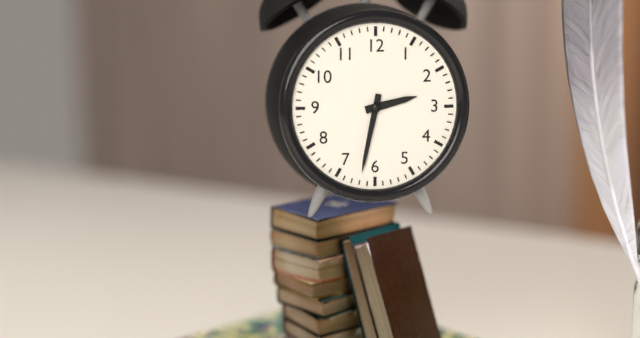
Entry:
h=2 m=32
